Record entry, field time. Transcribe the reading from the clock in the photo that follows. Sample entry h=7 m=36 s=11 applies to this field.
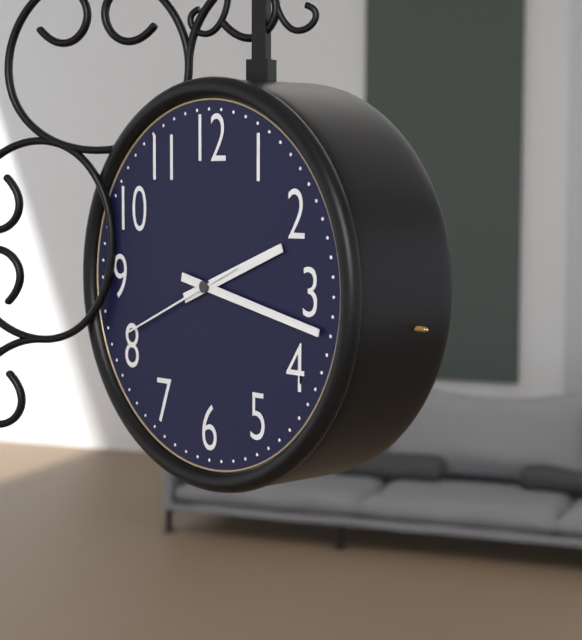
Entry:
h=2 m=17 s=41
